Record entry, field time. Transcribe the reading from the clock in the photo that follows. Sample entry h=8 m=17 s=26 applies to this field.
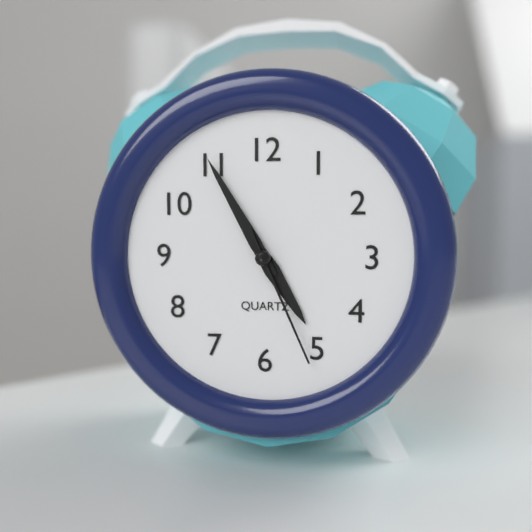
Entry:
h=4 m=55 s=26
